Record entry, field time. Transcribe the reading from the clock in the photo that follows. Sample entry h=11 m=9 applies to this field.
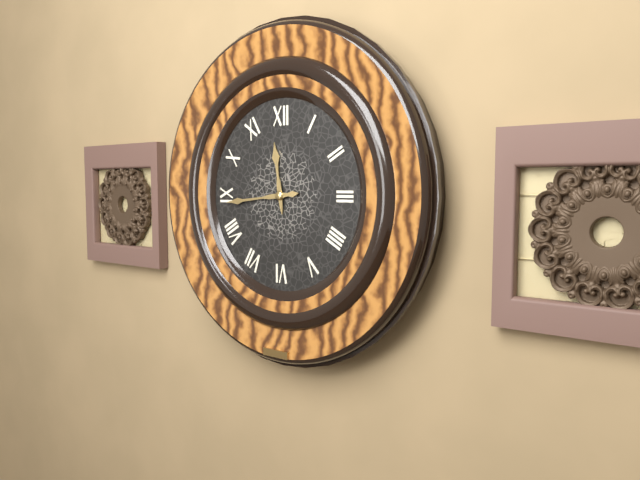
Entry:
h=11 m=44
